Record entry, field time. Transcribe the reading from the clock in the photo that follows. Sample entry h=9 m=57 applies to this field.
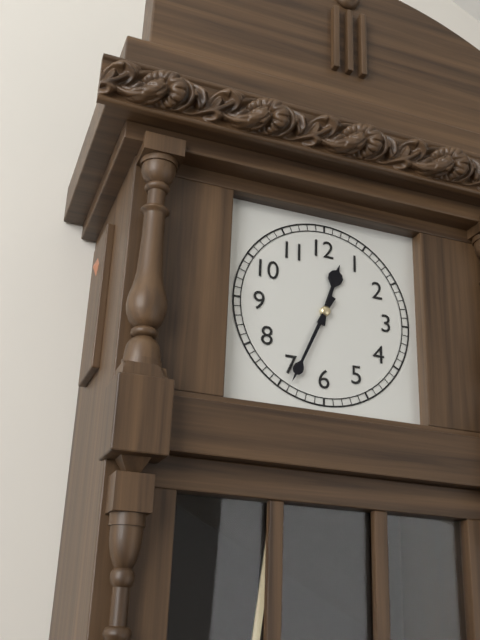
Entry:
h=12 m=34
